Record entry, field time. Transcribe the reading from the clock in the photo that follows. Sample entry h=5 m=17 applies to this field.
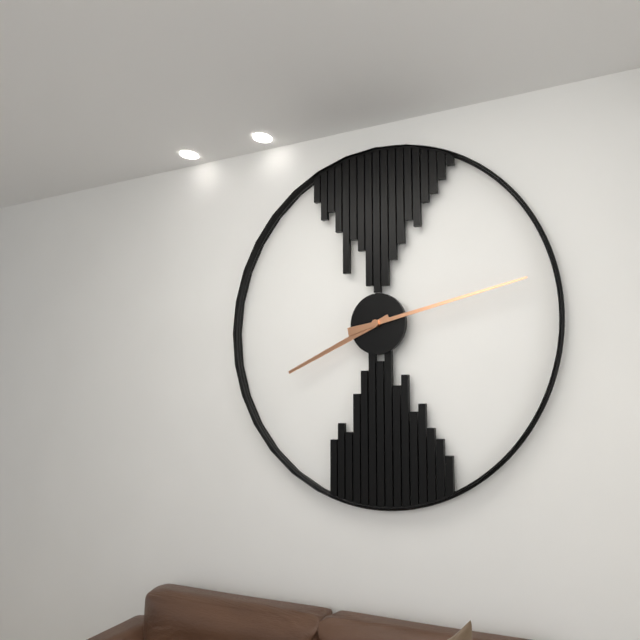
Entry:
h=8 m=13
